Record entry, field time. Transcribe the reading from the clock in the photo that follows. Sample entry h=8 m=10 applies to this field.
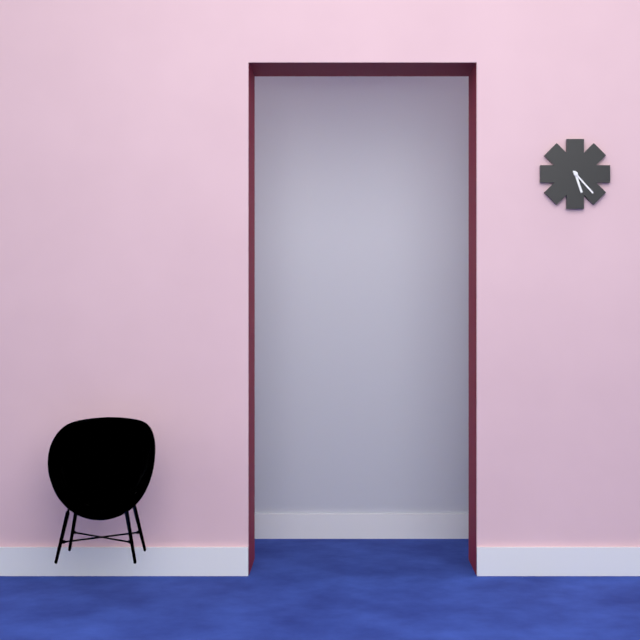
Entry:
h=5 m=23
